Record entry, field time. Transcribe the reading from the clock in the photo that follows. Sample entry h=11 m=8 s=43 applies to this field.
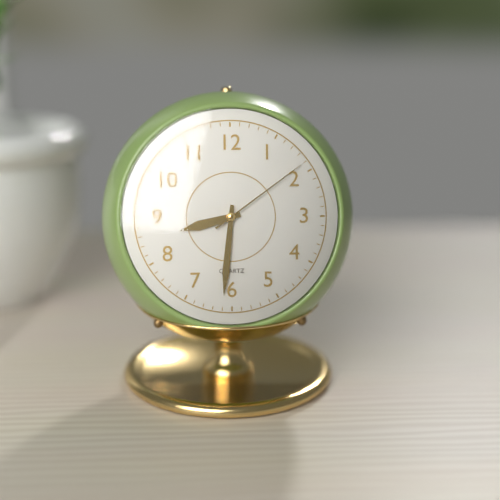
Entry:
h=8 m=31 s=9
